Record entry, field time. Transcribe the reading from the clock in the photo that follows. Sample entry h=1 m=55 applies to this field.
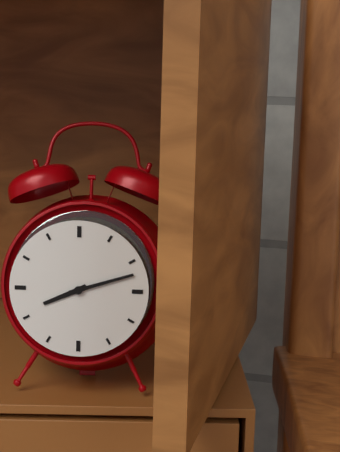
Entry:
h=8 m=12
